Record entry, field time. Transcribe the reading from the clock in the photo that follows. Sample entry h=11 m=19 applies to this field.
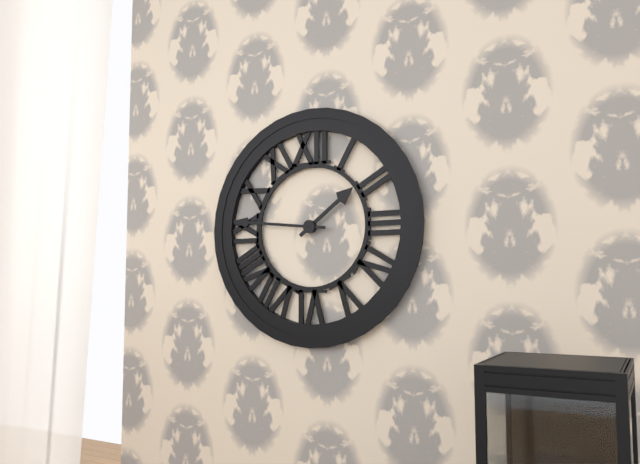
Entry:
h=1 m=46
